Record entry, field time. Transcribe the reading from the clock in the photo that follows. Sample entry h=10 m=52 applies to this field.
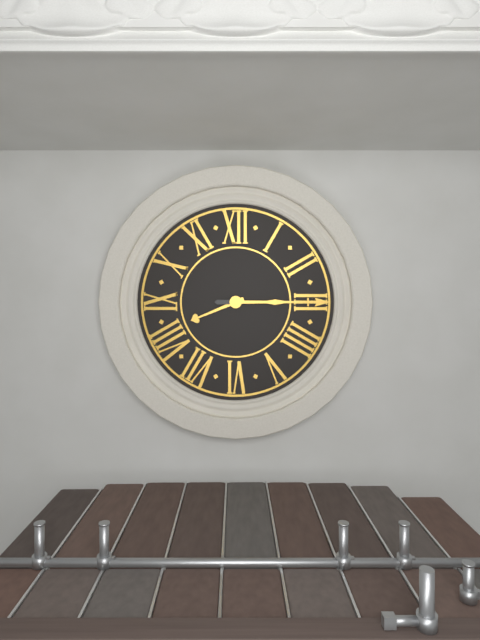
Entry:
h=8 m=15
